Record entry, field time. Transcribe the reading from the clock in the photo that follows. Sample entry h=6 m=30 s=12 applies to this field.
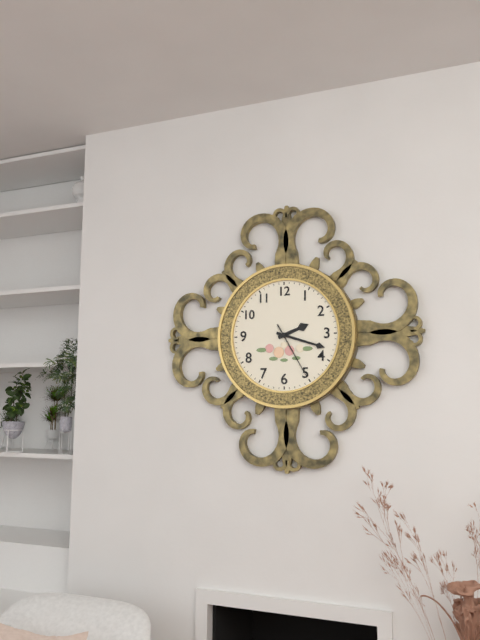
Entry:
h=2 m=18 s=25
